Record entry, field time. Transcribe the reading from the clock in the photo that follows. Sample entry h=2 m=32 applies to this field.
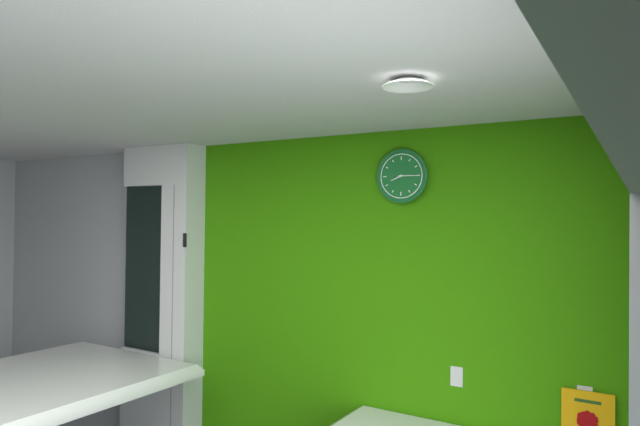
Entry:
h=8 m=15
